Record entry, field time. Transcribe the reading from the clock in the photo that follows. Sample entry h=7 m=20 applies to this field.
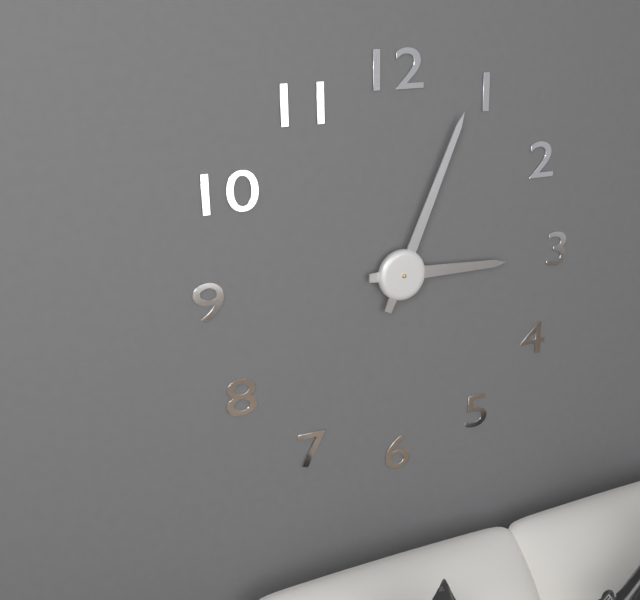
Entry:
h=3 m=4
